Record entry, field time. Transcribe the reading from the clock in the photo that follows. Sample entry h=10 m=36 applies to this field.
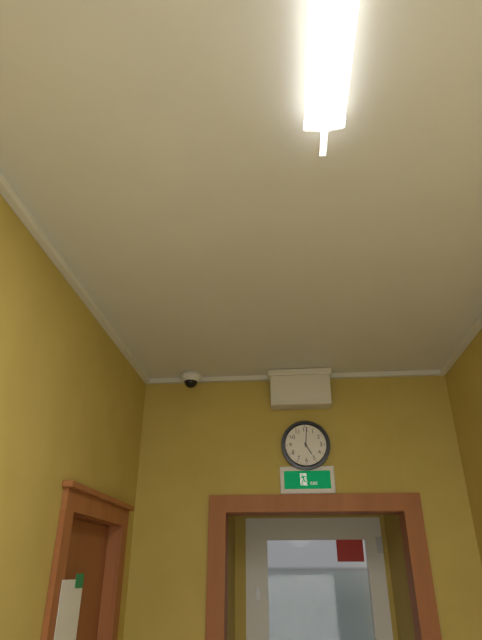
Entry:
h=5 m=1
